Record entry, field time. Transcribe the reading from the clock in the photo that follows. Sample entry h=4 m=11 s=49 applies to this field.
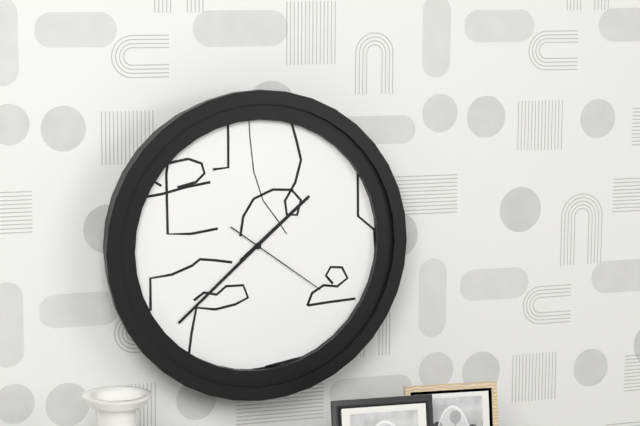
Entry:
h=1 m=38 s=21
